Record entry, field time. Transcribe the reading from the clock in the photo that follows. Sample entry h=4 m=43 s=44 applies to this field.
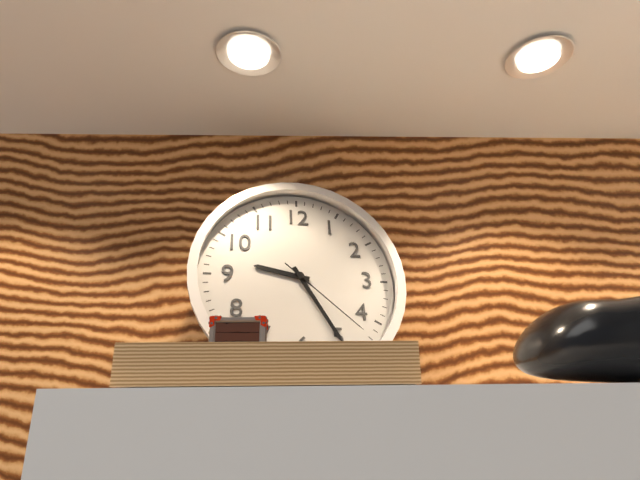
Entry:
h=9 m=25 s=22
